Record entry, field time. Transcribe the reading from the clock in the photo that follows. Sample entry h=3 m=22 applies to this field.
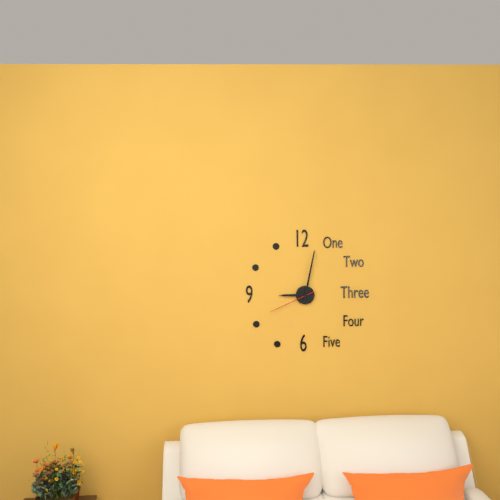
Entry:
h=9 m=2
